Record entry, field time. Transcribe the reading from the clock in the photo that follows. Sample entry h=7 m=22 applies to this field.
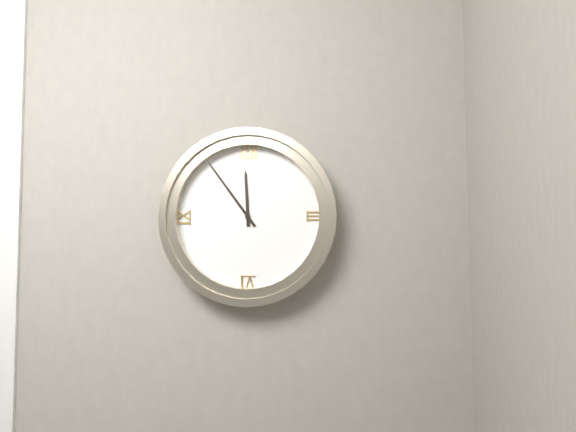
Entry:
h=11 m=54
